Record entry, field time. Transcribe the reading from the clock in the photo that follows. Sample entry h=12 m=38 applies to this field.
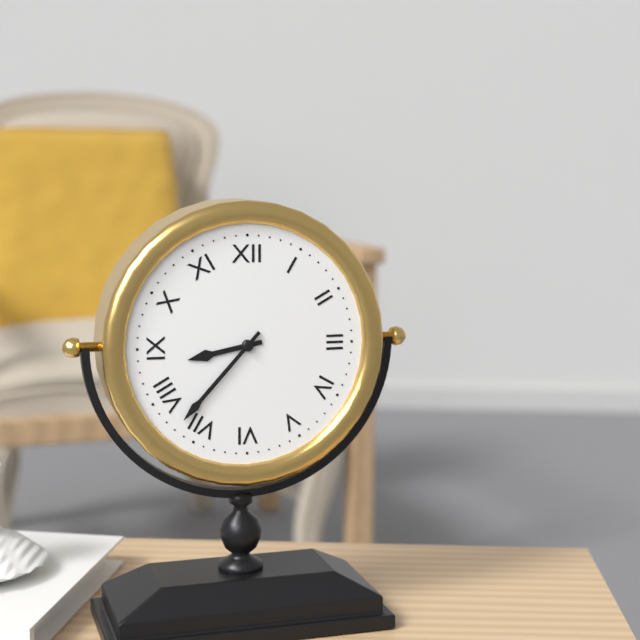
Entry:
h=8 m=37
